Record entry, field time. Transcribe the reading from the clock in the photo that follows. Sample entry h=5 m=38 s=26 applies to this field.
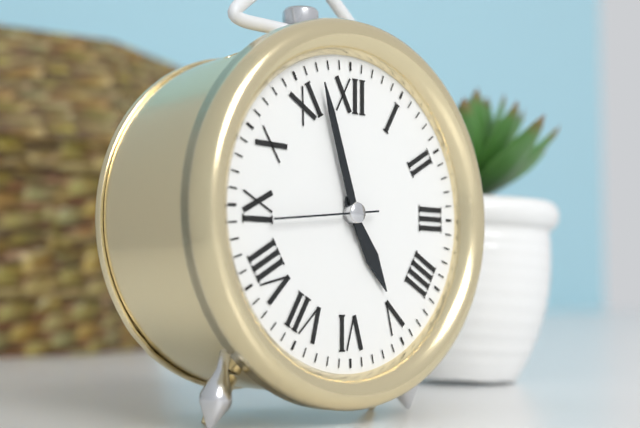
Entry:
h=4 m=57 s=44
